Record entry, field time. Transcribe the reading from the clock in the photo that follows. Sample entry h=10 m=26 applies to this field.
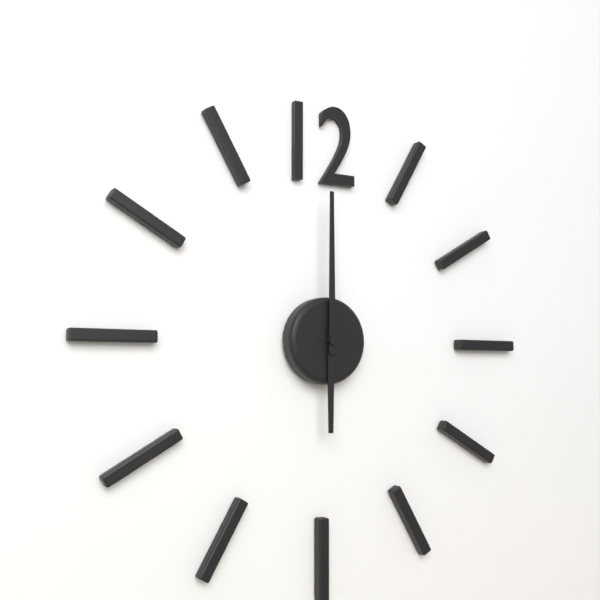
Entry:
h=6 m=0
